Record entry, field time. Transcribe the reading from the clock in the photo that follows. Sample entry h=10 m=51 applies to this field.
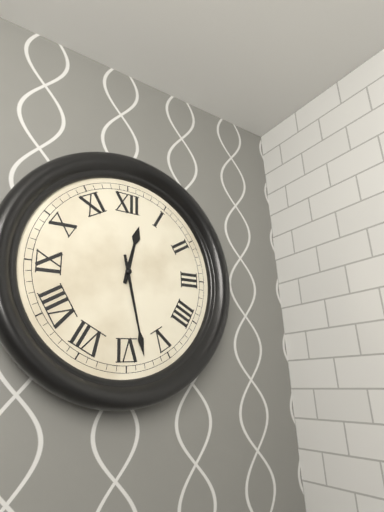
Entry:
h=12 m=28
